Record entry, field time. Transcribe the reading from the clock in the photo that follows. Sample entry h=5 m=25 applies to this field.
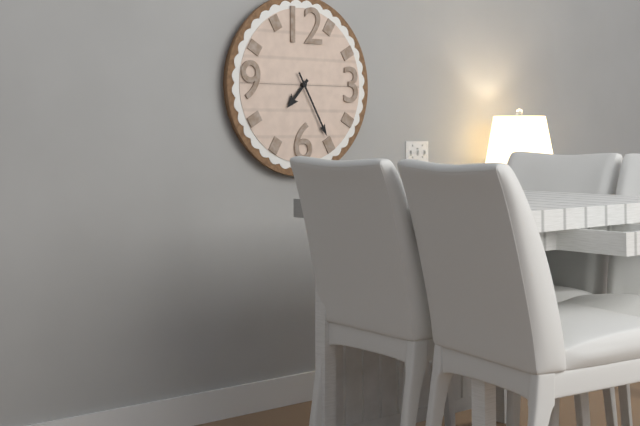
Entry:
h=7 m=25
